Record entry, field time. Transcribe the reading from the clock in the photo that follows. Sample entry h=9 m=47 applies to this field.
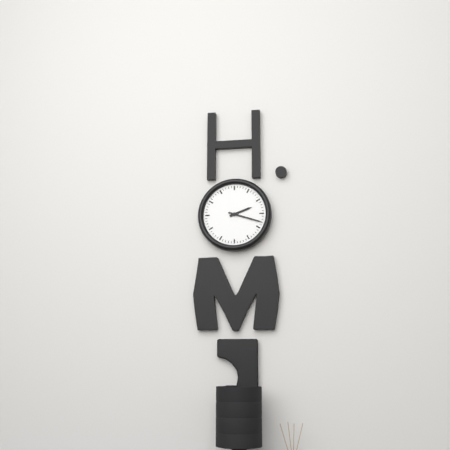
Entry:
h=2 m=18
